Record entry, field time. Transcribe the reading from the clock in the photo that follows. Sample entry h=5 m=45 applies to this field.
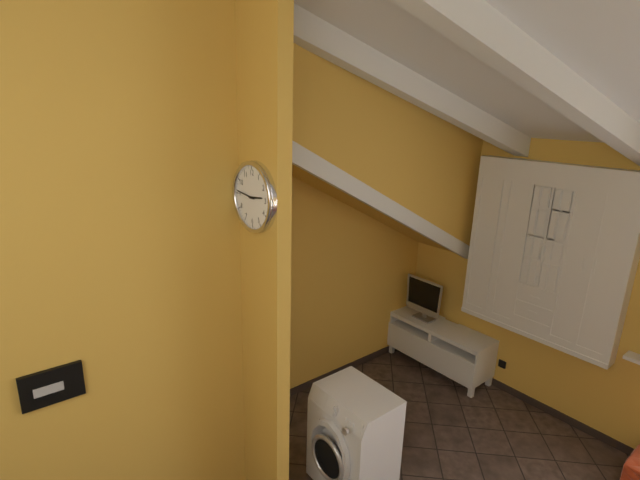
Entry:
h=2 m=46
